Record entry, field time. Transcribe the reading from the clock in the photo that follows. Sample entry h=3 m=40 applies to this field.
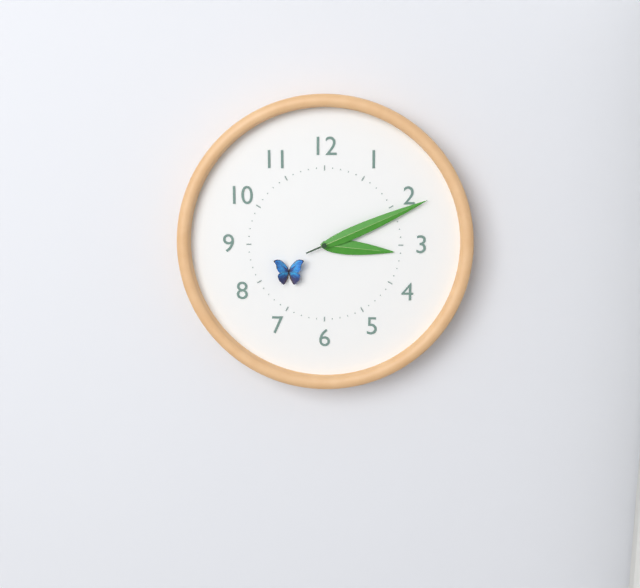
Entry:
h=3 m=11
